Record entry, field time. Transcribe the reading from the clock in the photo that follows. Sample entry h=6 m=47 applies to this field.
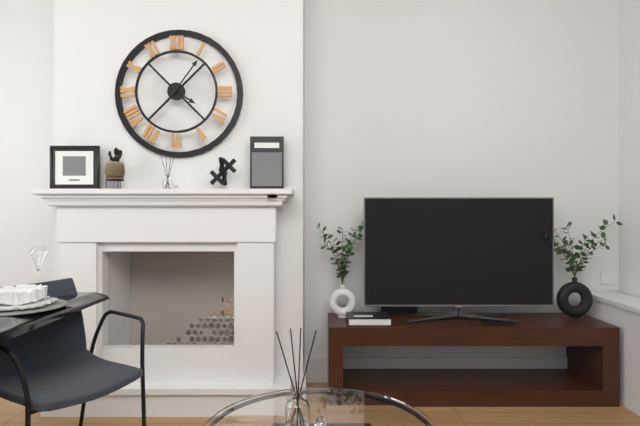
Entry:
h=4 m=6
